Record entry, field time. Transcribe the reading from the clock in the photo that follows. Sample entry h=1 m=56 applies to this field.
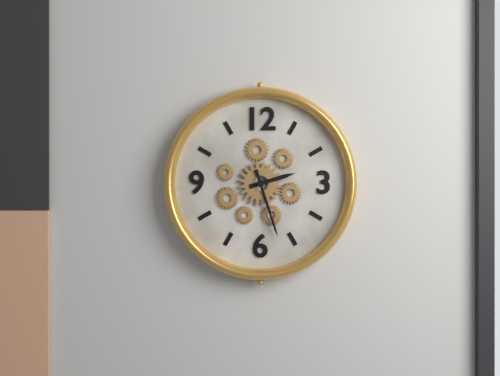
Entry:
h=2 m=27
